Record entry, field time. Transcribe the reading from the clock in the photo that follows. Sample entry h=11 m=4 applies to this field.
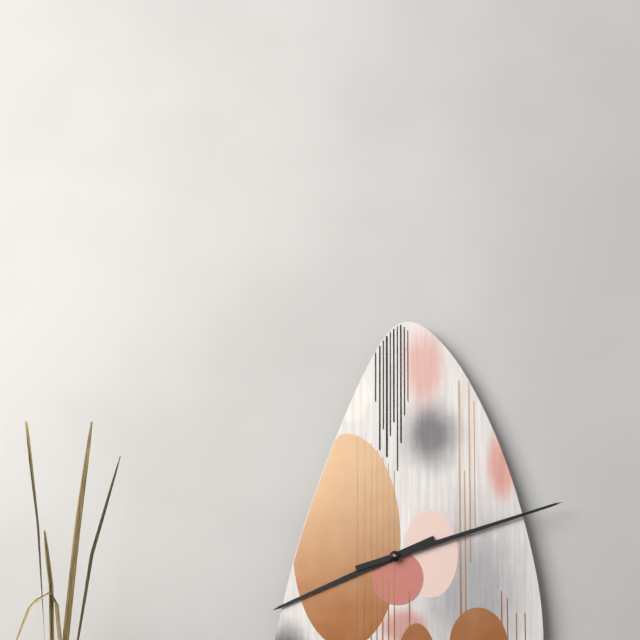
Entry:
h=8 m=12
